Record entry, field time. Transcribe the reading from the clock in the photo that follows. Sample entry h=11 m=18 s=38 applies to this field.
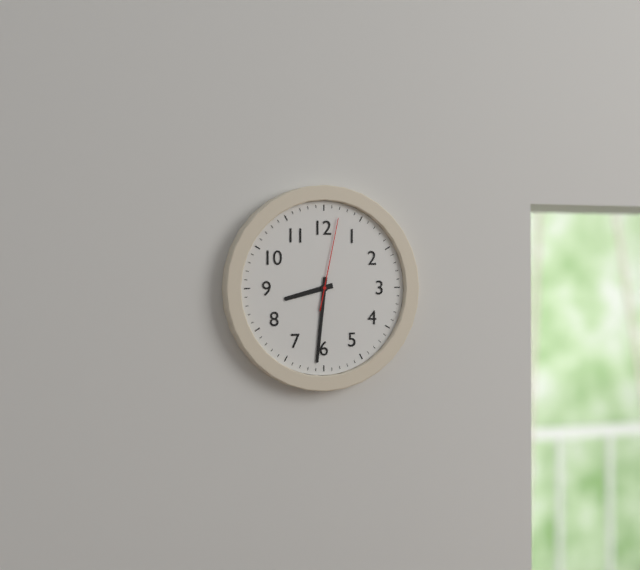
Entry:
h=8 m=31 s=2
